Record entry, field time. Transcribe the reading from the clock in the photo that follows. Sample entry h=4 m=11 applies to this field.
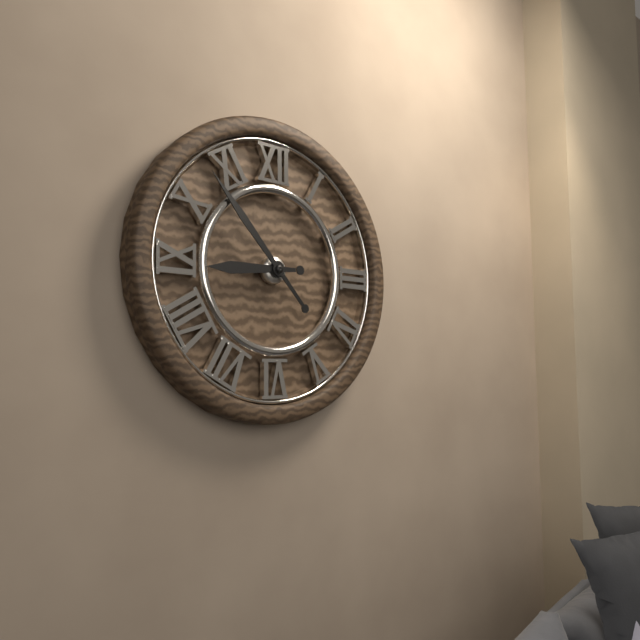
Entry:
h=8 m=53
